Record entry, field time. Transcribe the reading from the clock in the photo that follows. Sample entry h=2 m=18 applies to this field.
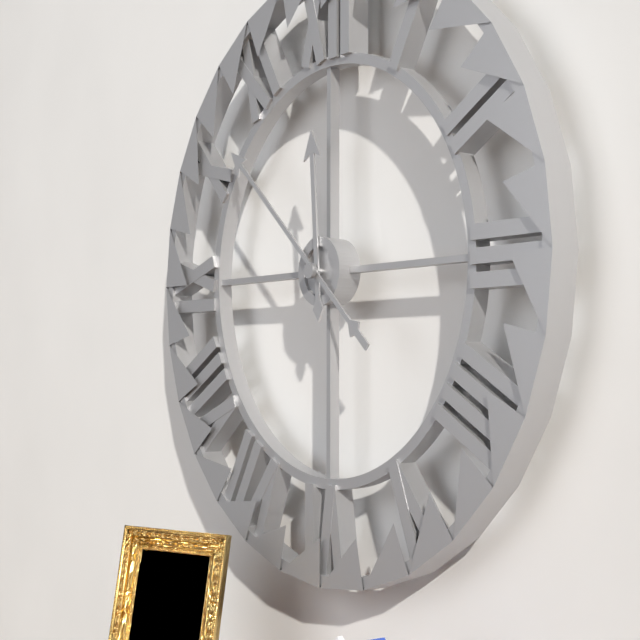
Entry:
h=11 m=52
